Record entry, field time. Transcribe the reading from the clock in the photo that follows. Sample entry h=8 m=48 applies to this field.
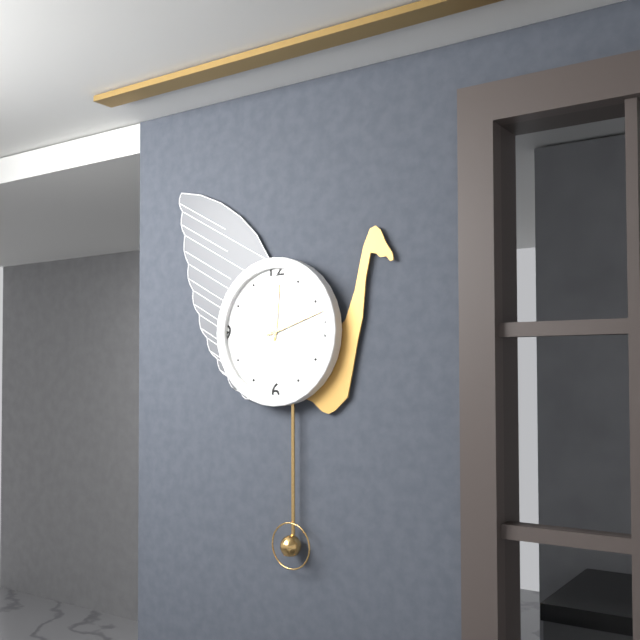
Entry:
h=12 m=12
